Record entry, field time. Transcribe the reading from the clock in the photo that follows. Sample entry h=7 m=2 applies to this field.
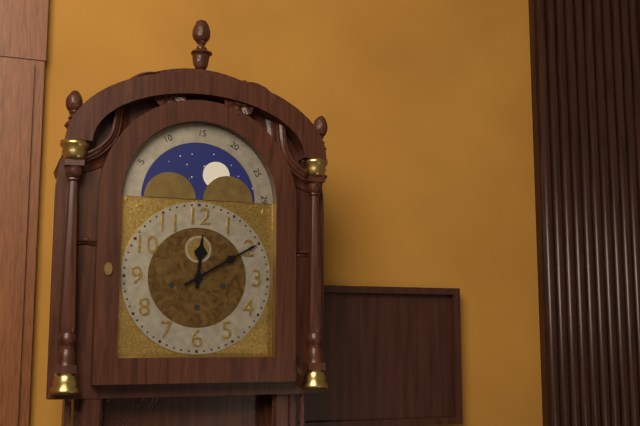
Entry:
h=12 m=10
